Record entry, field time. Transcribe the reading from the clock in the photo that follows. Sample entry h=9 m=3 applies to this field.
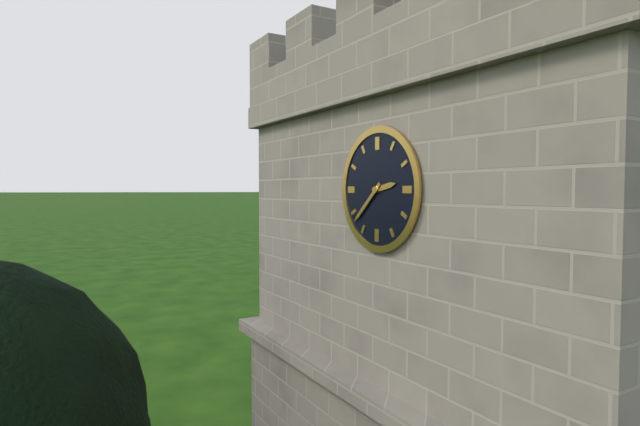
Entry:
h=2 m=38
